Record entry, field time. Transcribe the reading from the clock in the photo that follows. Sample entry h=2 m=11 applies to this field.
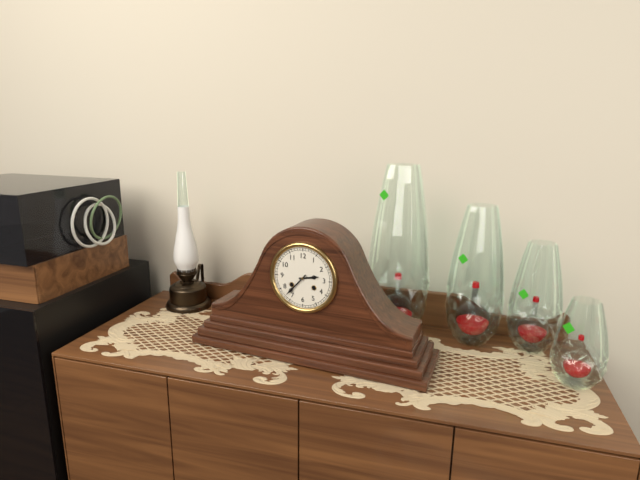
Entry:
h=2 m=37
